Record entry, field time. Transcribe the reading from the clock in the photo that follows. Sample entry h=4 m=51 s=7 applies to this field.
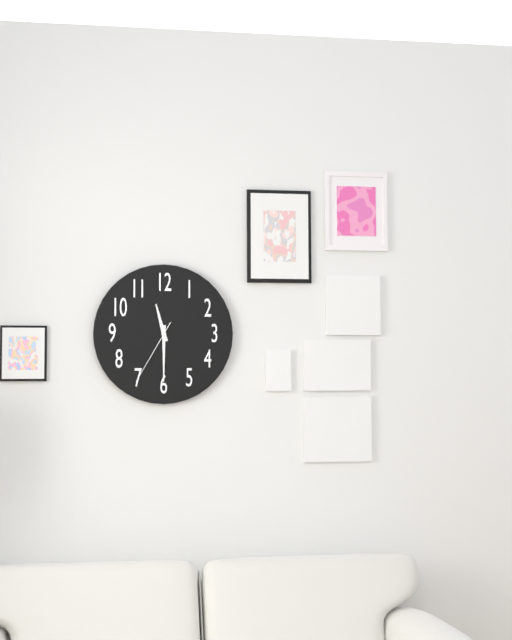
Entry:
h=11 m=30 s=35
